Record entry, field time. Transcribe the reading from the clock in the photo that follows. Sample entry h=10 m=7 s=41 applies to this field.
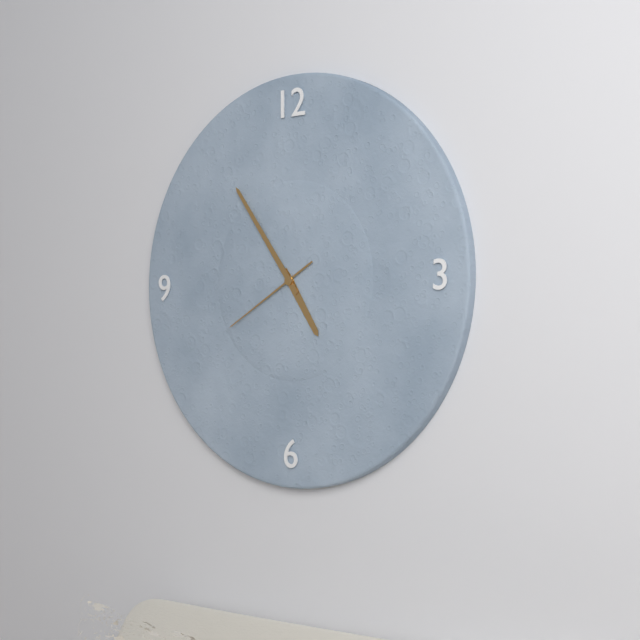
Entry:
h=4 m=54 s=40
